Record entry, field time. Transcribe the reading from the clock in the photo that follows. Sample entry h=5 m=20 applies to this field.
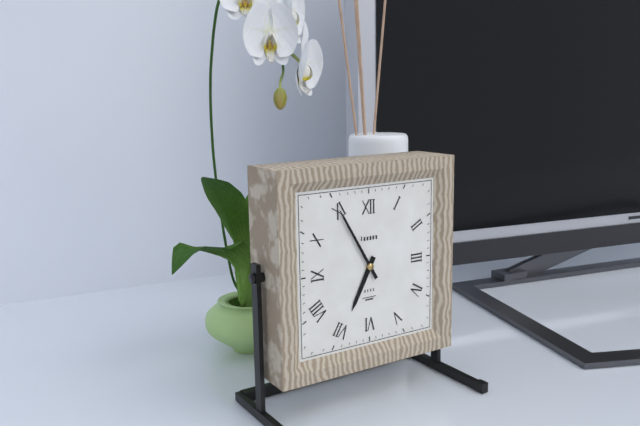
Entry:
h=6 m=55
